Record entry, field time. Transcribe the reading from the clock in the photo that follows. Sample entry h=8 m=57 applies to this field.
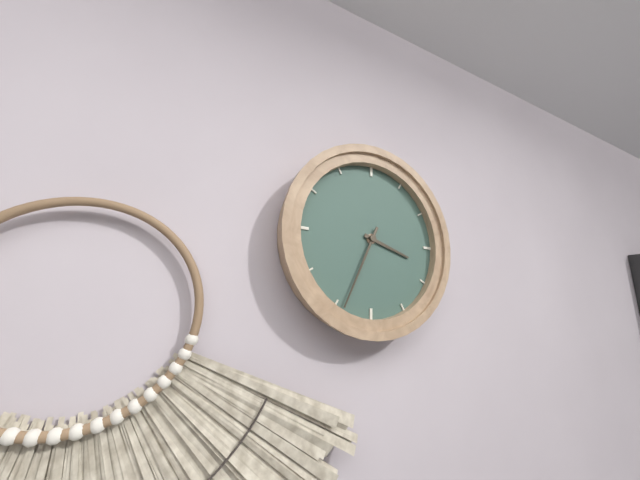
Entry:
h=3 m=34
